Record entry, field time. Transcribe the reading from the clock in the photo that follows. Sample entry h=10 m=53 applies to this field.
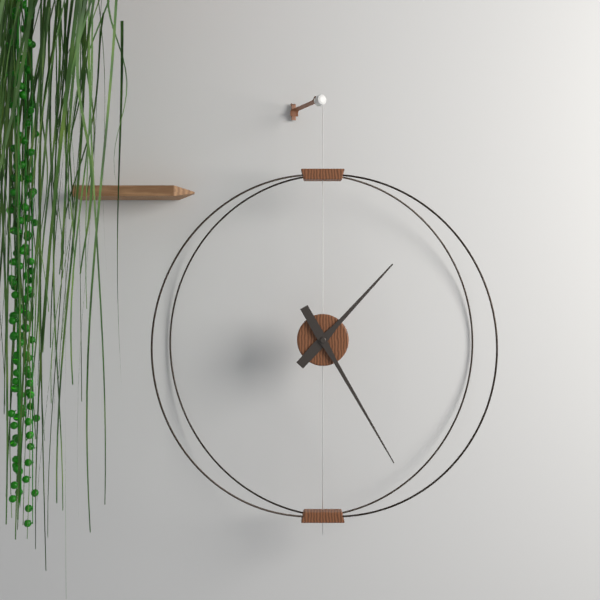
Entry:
h=1 m=25
